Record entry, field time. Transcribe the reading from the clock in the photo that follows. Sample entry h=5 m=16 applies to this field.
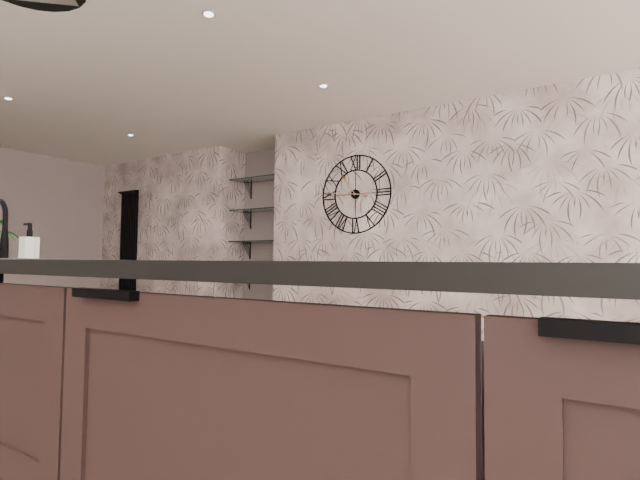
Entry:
h=10 m=46
